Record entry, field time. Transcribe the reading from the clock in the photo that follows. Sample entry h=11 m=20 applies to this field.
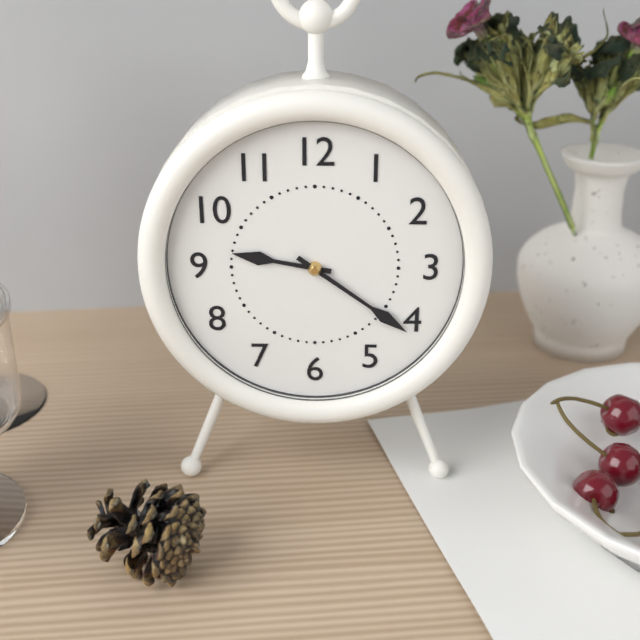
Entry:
h=9 m=21
